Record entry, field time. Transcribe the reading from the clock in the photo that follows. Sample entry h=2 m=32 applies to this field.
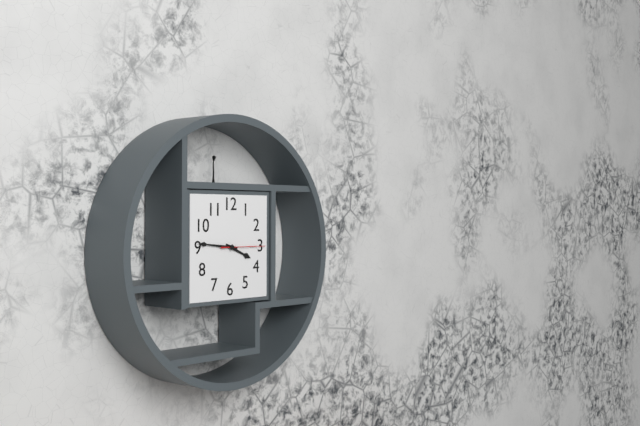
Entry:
h=3 m=46
